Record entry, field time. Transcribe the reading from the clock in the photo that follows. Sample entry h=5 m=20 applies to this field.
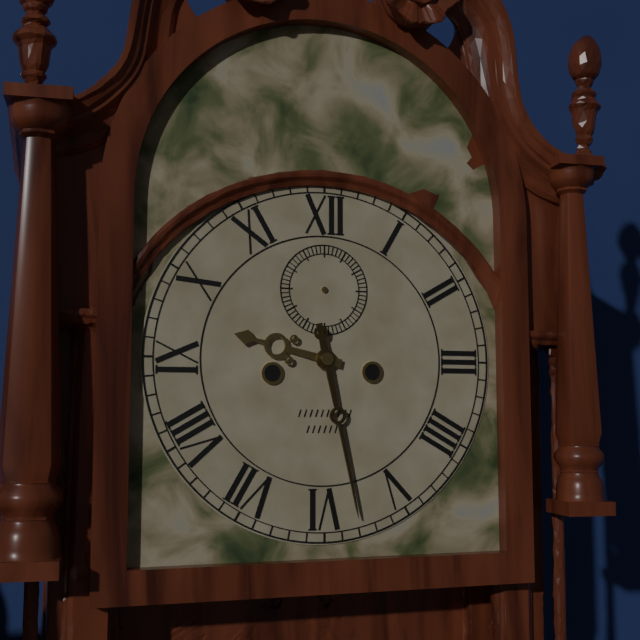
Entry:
h=9 m=28
